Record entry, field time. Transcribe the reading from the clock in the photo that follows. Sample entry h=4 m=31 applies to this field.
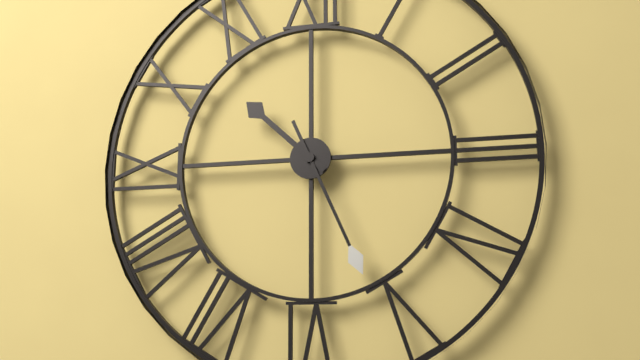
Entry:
h=10 m=26
